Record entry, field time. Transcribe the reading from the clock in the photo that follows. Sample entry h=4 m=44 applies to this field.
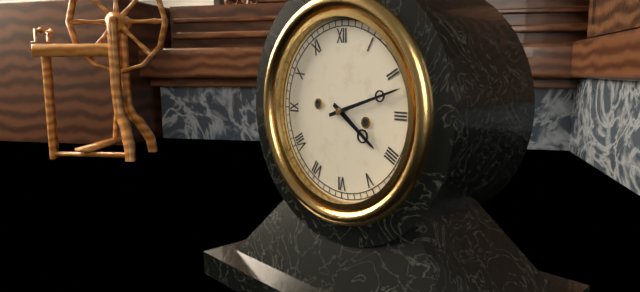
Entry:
h=4 m=12
